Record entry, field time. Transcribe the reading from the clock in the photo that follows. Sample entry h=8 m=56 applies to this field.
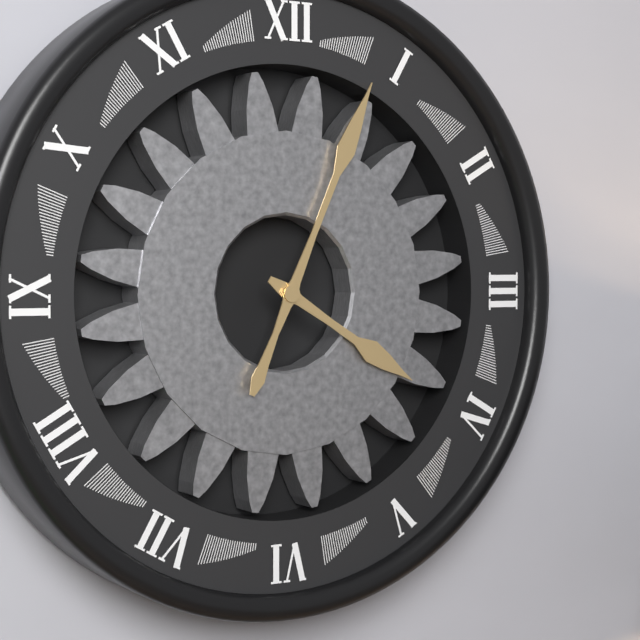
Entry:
h=4 m=4
